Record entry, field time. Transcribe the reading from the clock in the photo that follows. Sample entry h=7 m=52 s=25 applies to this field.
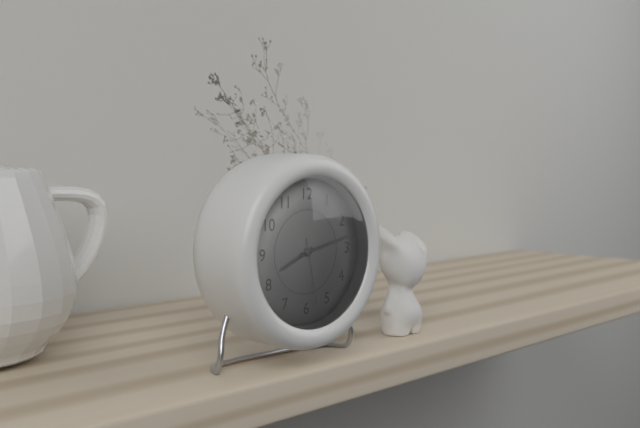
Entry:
h=8 m=13 s=28
